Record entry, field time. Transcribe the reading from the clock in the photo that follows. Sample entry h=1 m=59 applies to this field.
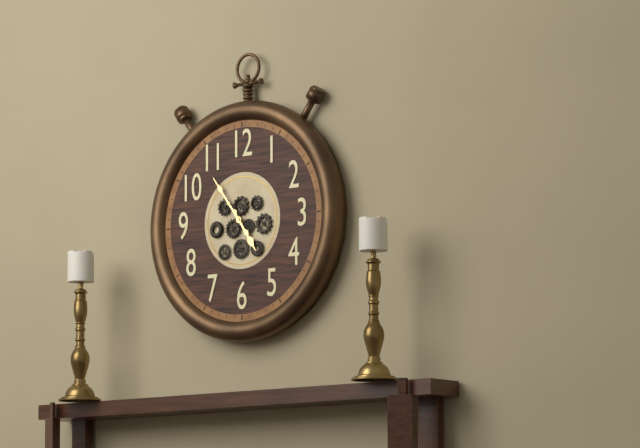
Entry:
h=4 m=54
